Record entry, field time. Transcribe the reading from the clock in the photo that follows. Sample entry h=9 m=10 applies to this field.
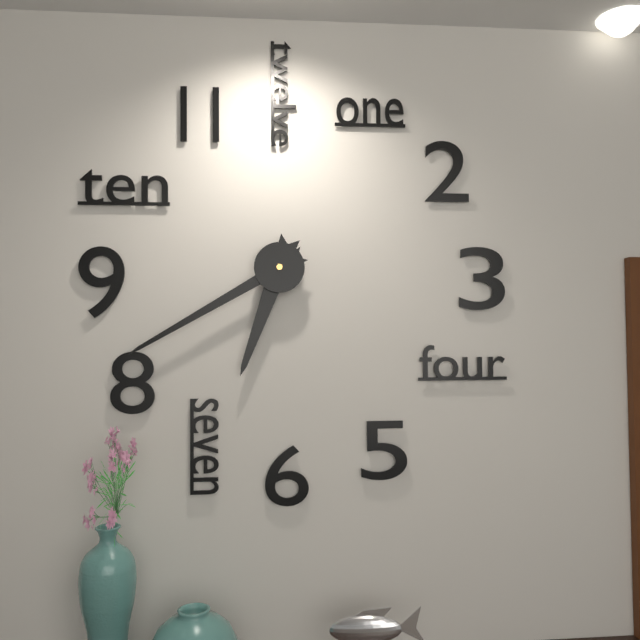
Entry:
h=6 m=40
